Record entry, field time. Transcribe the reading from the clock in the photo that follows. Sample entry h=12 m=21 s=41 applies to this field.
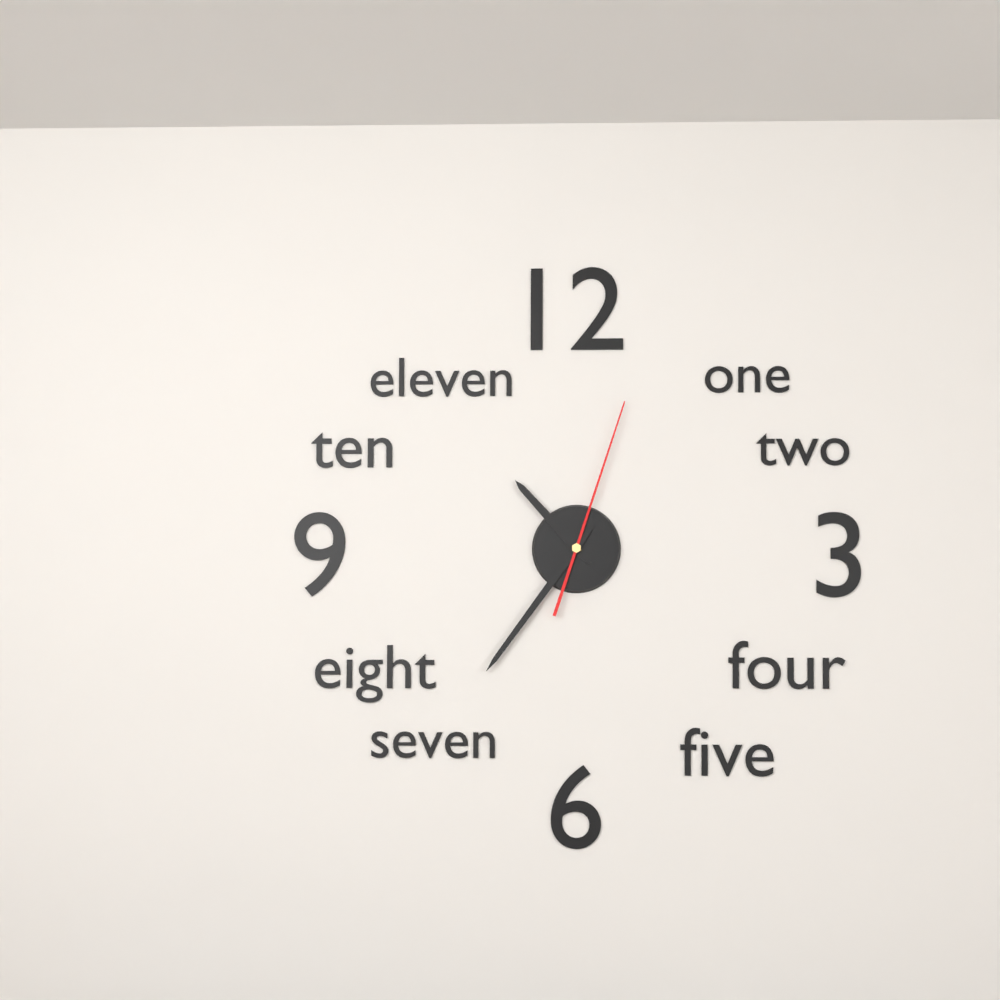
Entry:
h=10 m=36 s=3
